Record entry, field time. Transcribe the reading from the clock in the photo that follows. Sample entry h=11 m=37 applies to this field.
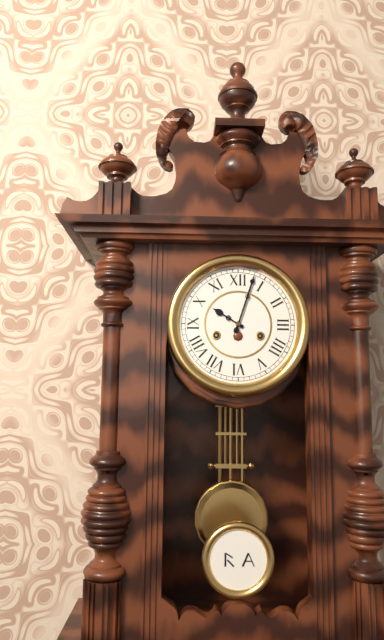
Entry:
h=10 m=3
